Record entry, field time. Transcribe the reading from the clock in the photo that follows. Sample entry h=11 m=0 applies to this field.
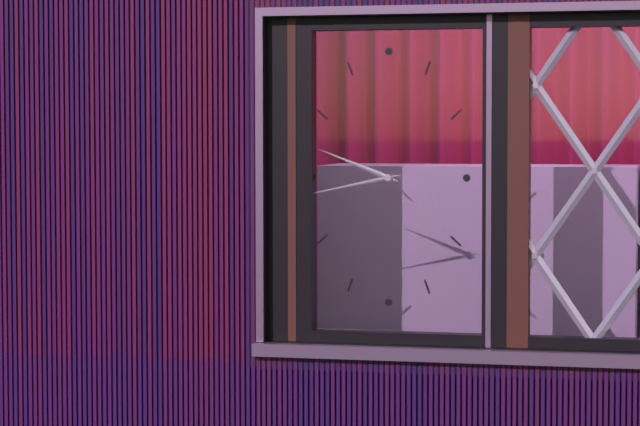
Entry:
h=9 m=43
